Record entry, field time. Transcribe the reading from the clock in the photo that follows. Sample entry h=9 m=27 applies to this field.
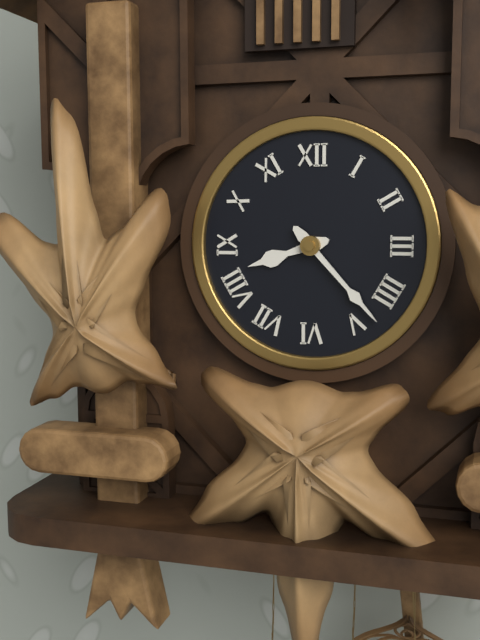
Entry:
h=8 m=23
